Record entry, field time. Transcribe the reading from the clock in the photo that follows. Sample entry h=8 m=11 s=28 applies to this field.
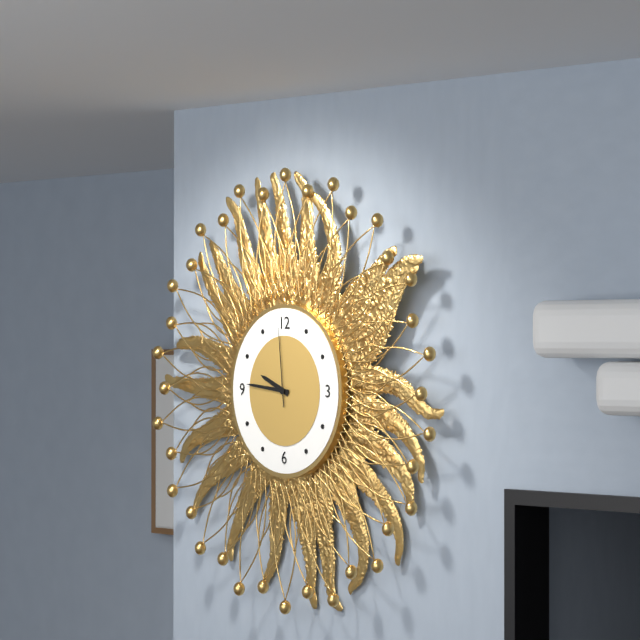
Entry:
h=9 m=46 s=59
